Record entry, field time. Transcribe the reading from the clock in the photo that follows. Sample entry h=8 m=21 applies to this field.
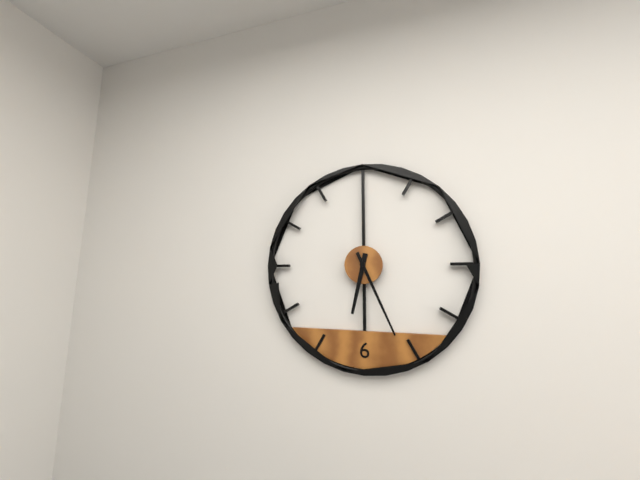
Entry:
h=6 m=26
